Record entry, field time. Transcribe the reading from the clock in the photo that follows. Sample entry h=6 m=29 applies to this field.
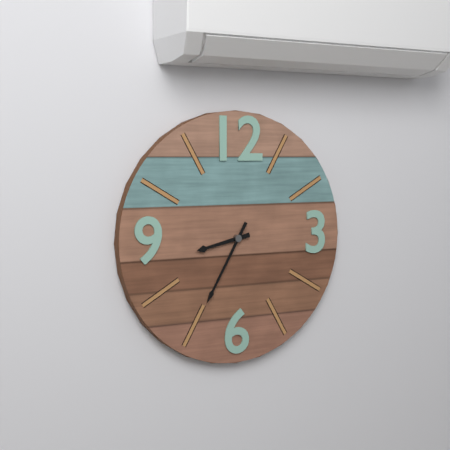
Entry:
h=8 m=35
